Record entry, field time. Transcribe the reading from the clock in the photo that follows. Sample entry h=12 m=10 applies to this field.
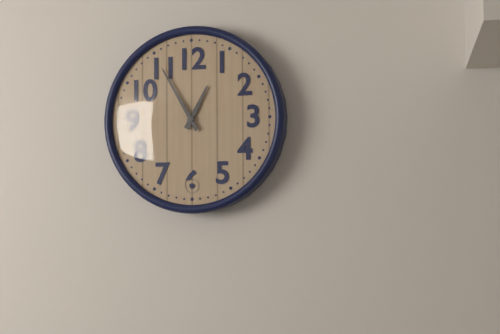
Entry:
h=12 m=55
